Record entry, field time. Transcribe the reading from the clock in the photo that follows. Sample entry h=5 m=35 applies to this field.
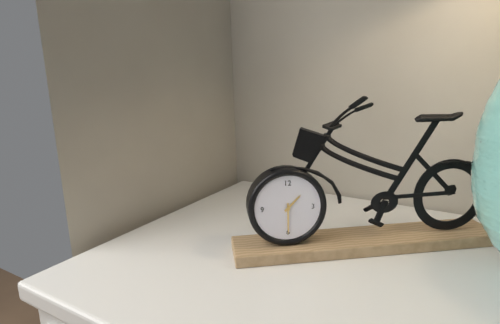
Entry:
h=1 m=30
